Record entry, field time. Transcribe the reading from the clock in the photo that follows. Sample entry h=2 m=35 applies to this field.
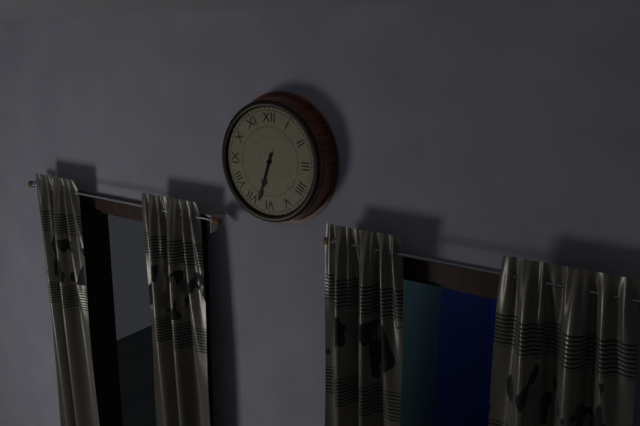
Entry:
h=6 m=33
